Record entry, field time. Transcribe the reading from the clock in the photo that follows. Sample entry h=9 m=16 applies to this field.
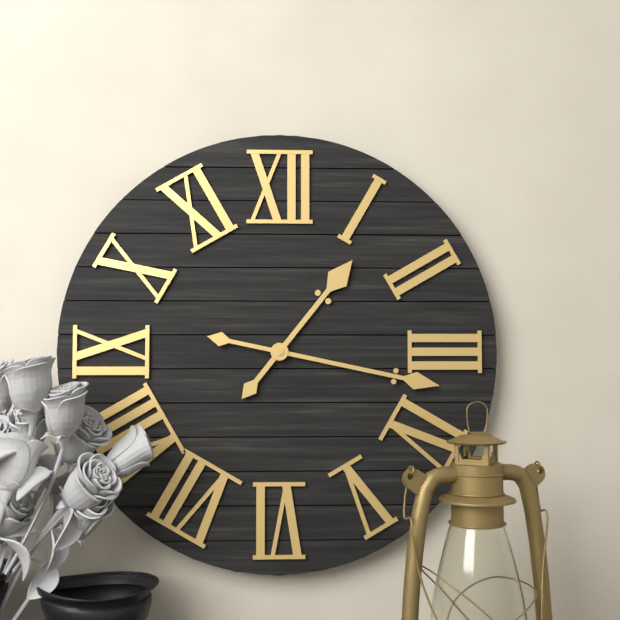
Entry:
h=1 m=17
